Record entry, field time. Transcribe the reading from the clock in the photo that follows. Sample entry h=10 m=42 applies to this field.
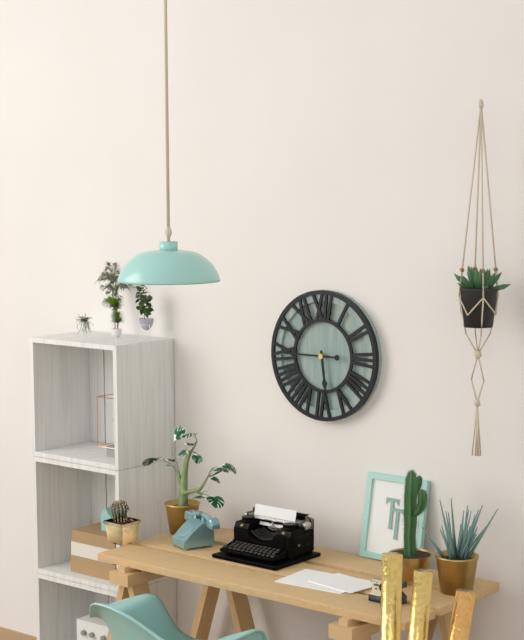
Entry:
h=5 m=45
